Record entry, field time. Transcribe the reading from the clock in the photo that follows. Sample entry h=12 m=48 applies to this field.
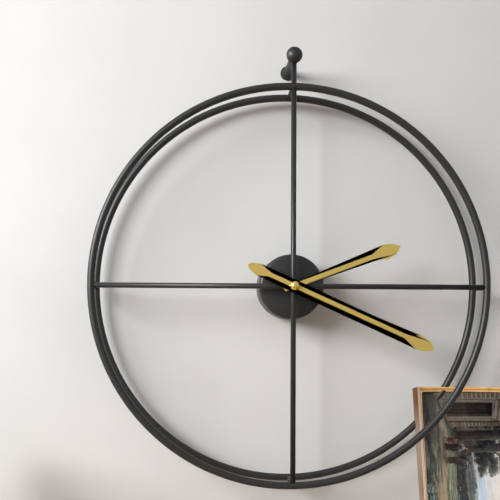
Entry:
h=2 m=19
